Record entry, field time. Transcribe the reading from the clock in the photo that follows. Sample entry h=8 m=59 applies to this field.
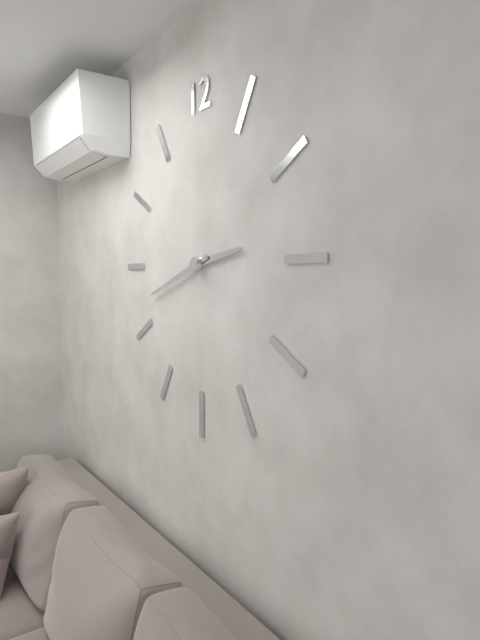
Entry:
h=2 m=42
